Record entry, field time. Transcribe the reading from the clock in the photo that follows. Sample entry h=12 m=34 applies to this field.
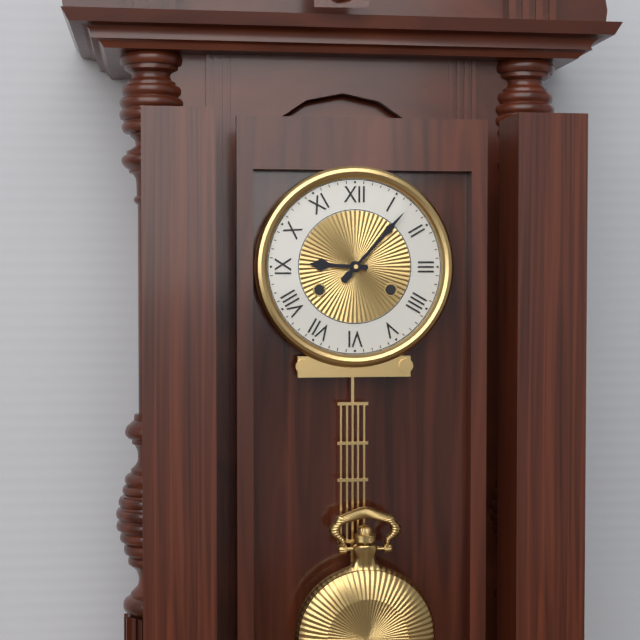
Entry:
h=9 m=7
